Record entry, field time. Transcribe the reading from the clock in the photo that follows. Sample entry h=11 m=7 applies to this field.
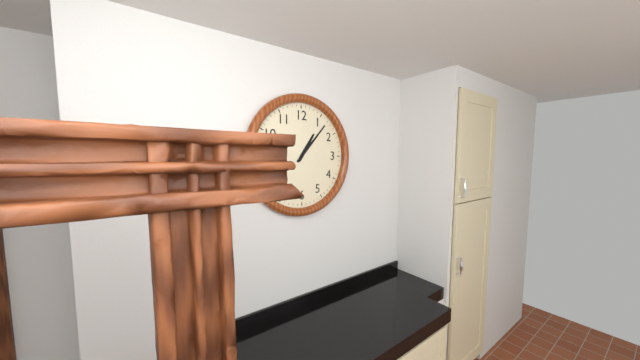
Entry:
h=1 m=7
